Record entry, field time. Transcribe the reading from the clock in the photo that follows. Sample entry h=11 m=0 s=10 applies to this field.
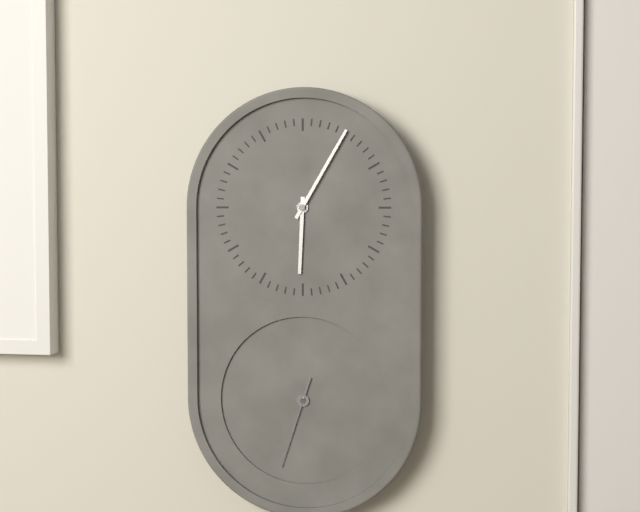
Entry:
h=6 m=5 s=33
